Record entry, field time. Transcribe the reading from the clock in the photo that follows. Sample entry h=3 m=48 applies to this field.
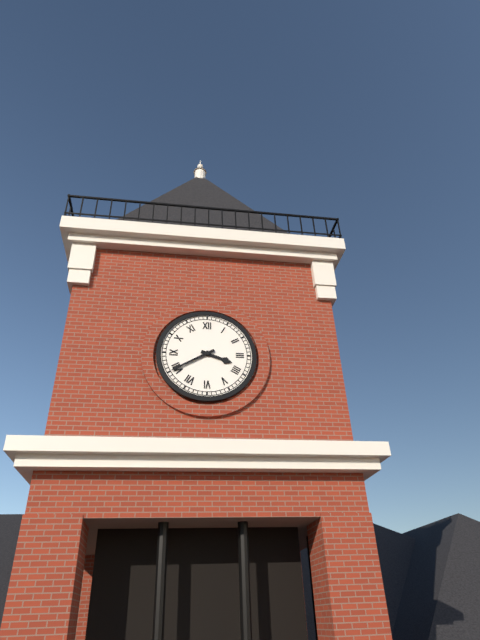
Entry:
h=3 m=40
